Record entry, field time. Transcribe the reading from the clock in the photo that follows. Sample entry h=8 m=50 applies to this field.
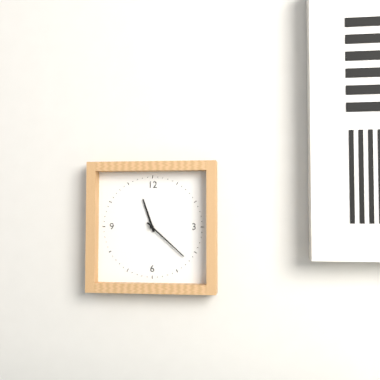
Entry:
h=11 m=22
